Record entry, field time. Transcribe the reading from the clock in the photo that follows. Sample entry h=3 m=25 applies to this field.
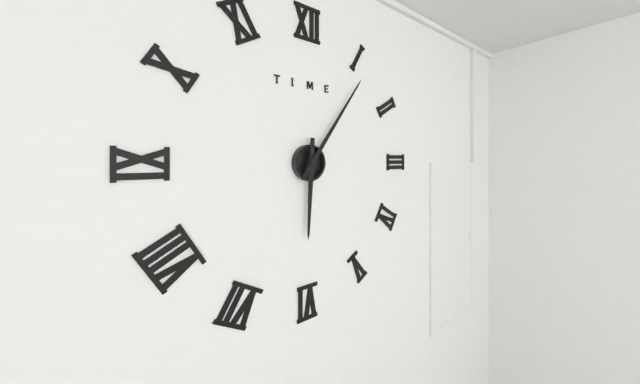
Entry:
h=6 m=6
